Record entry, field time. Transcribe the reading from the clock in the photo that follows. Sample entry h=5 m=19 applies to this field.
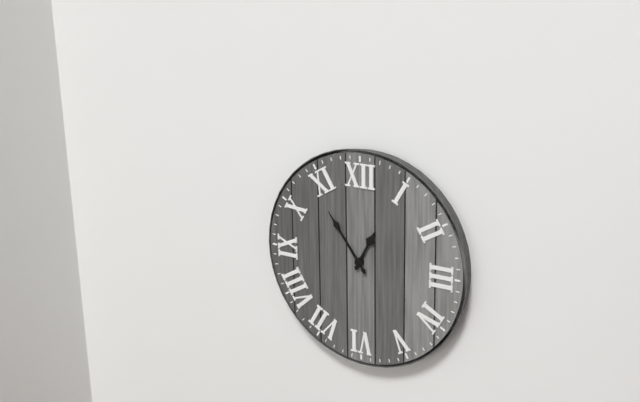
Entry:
h=12 m=54
